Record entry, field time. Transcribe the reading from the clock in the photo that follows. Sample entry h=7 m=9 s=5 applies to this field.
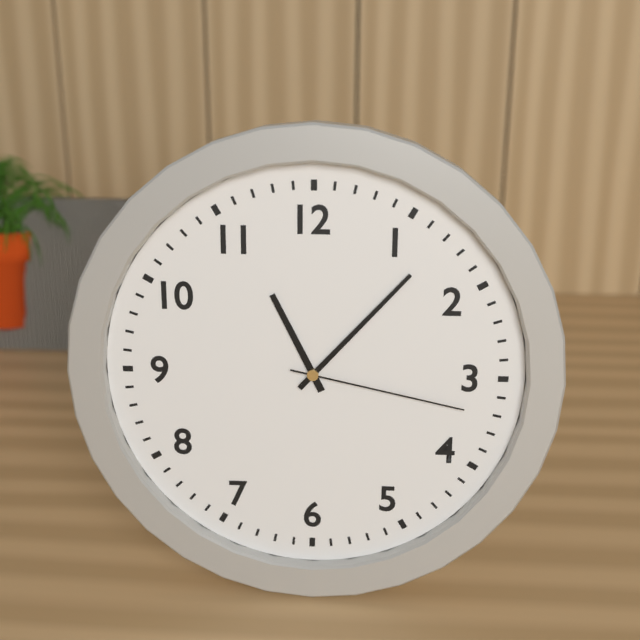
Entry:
h=11 m=7 s=17
